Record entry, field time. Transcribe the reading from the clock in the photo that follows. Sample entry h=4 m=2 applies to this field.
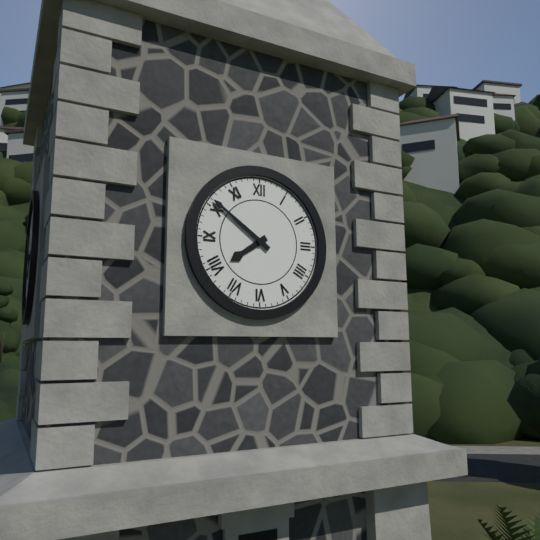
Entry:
h=7 m=51
